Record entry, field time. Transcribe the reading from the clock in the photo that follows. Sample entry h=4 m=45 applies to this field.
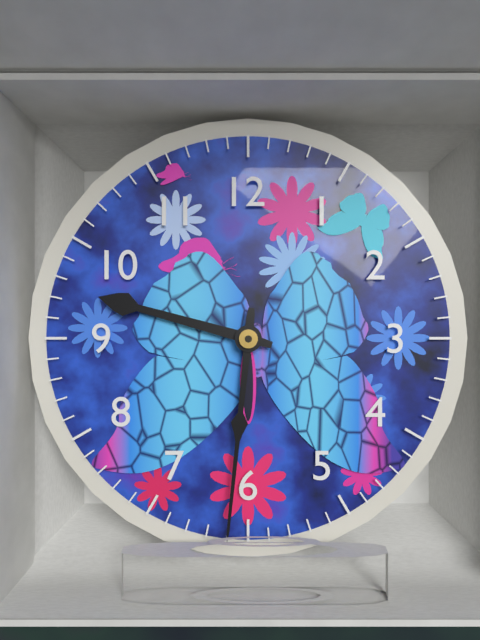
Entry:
h=9 m=31
